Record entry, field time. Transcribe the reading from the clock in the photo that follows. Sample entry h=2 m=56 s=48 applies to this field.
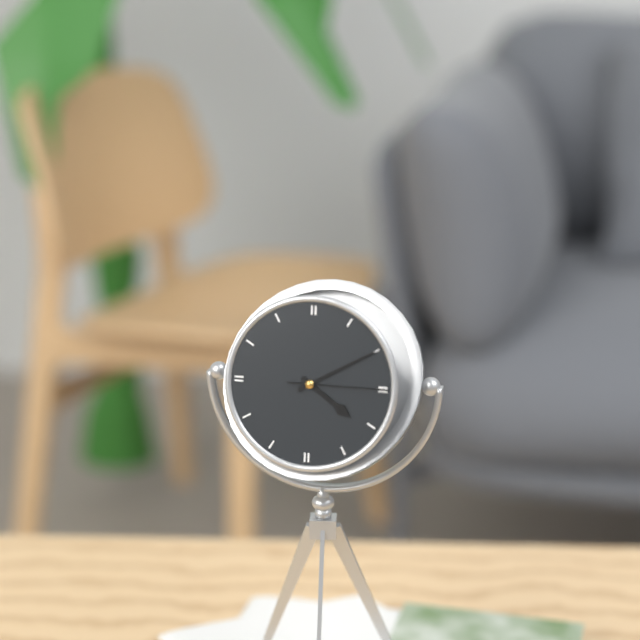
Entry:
h=4 m=10 s=15
